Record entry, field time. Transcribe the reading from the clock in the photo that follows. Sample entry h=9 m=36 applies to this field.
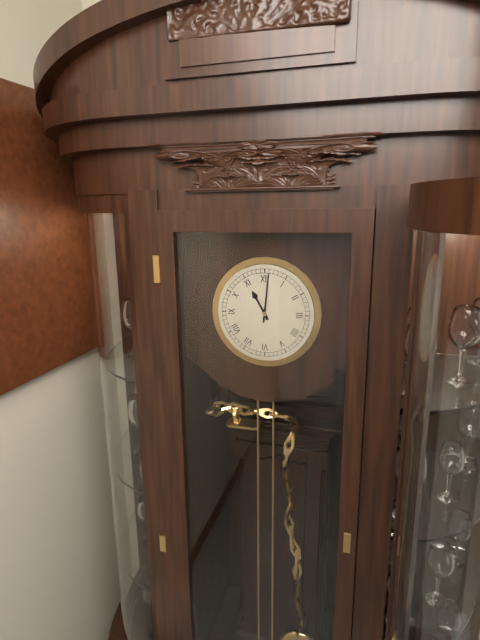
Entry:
h=11 m=1
